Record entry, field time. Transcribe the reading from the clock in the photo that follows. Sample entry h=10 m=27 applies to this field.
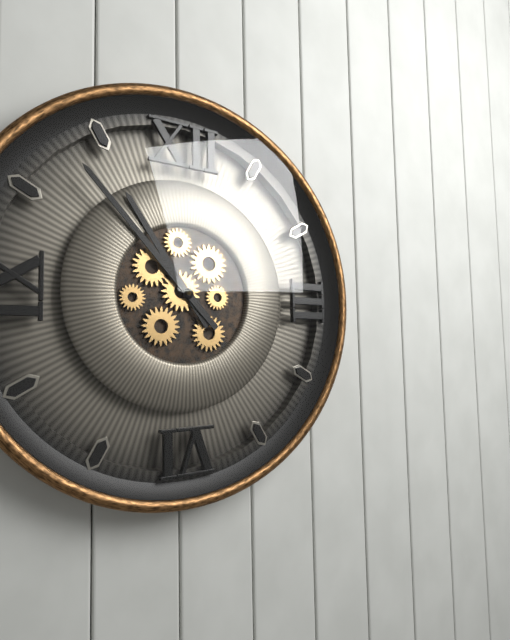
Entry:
h=10 m=53
